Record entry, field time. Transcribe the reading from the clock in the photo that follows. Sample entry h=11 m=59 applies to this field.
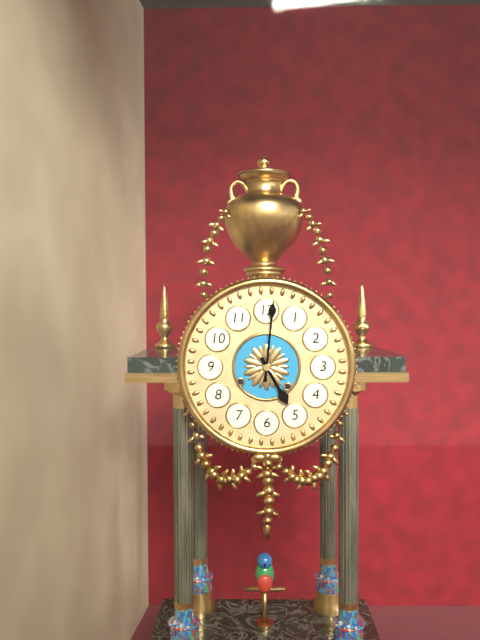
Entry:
h=5 m=1
